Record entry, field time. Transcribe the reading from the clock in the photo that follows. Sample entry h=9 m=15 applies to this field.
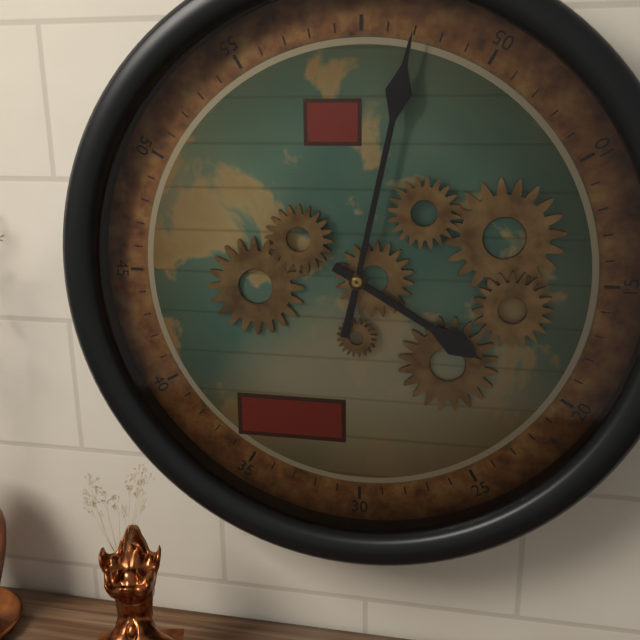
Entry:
h=4 m=2
